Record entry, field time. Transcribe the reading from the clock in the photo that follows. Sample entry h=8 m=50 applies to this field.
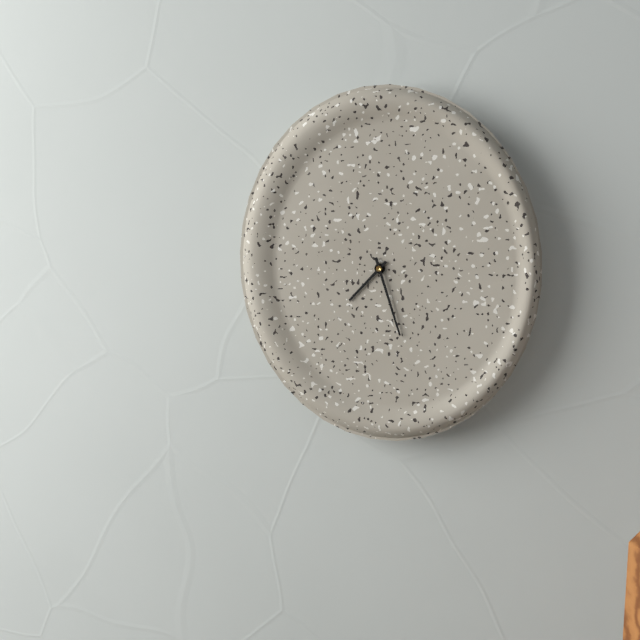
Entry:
h=7 m=27
